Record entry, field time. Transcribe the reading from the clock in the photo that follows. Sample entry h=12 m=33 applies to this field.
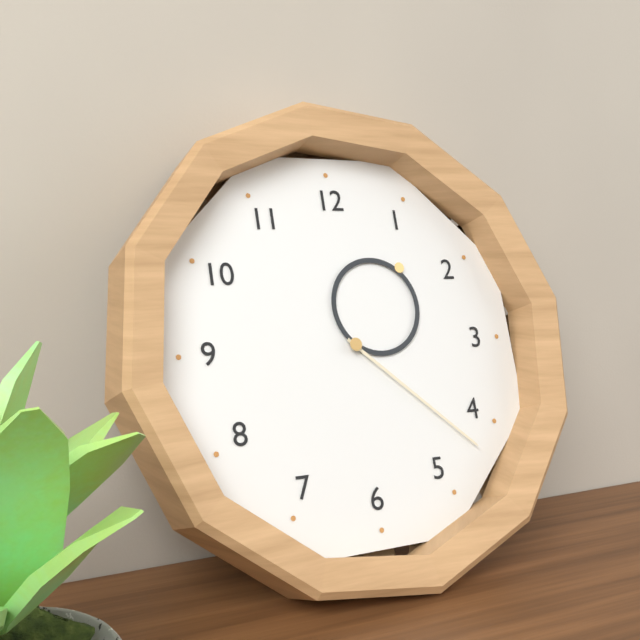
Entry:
h=1 m=22
